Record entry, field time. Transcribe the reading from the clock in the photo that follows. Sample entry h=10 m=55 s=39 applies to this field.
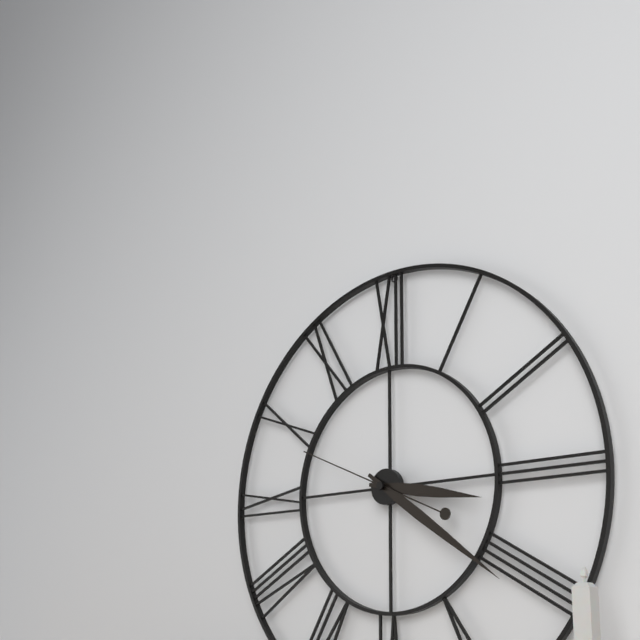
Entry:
h=3 m=21 s=49
